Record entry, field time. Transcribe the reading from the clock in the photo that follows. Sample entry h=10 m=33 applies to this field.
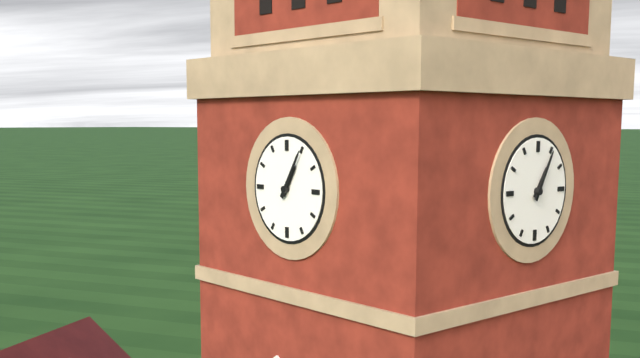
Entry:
h=1 m=5
